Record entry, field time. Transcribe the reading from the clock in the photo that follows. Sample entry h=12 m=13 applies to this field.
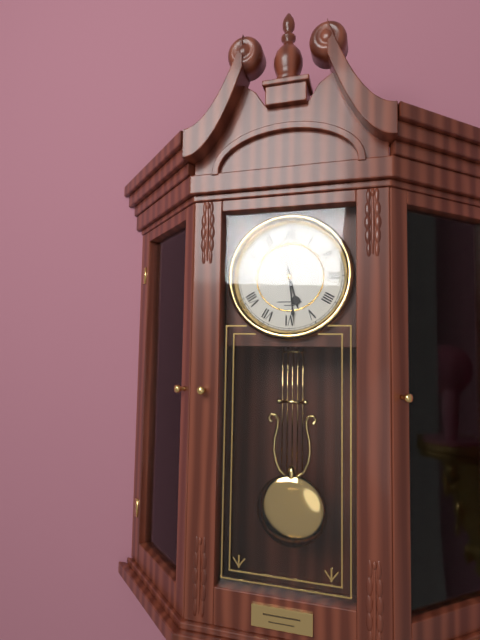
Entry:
h=5 m=29
